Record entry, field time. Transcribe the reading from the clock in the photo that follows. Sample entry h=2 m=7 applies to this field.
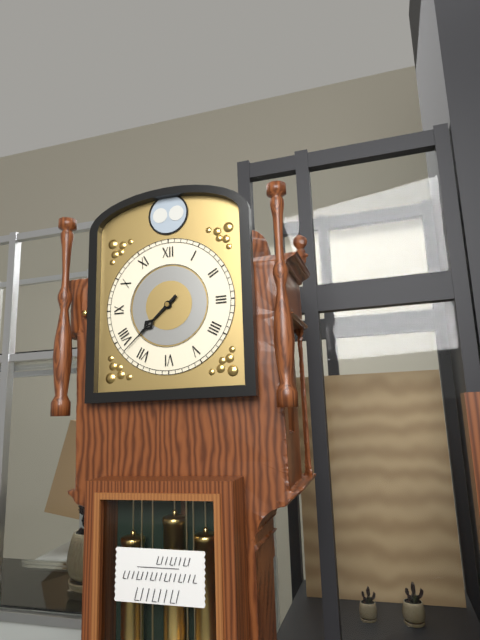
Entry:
h=7 m=38
